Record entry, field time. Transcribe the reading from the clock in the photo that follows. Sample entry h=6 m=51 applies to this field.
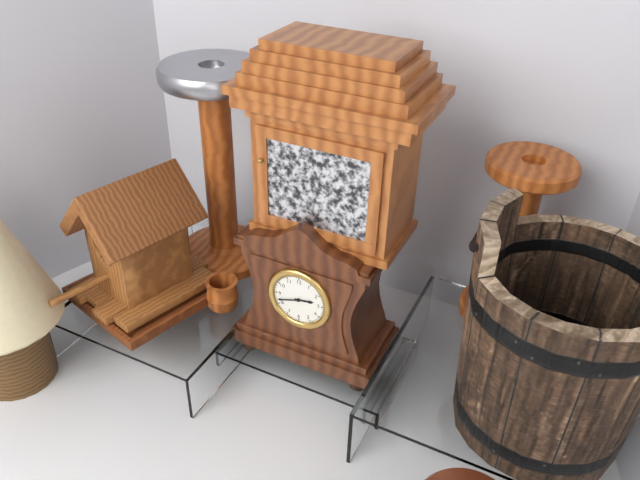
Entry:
h=2 m=42
